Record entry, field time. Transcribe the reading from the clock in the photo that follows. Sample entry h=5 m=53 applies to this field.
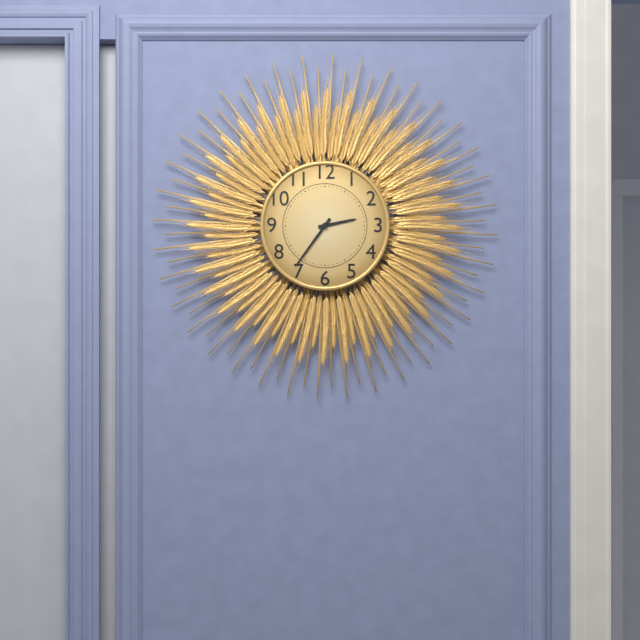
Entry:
h=2 m=36
